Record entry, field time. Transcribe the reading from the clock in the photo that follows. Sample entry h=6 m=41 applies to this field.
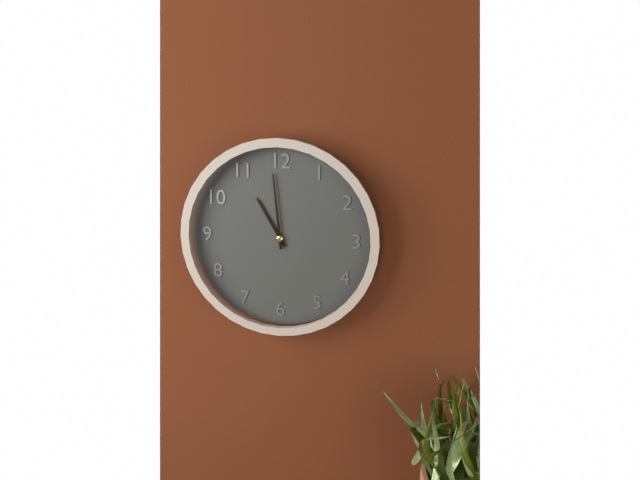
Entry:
h=10 m=59
